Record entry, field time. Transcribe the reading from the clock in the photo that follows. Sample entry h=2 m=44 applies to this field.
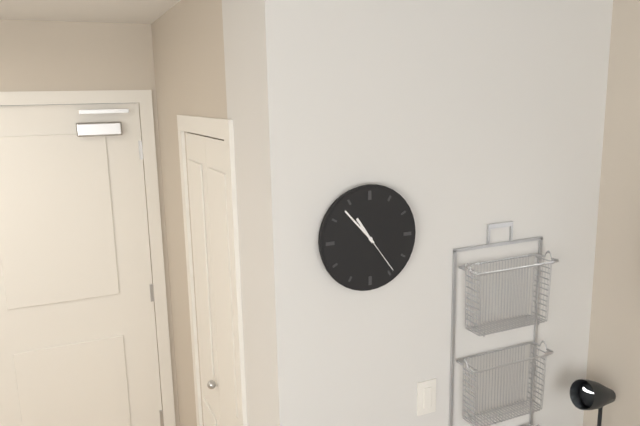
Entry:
h=10 m=53
